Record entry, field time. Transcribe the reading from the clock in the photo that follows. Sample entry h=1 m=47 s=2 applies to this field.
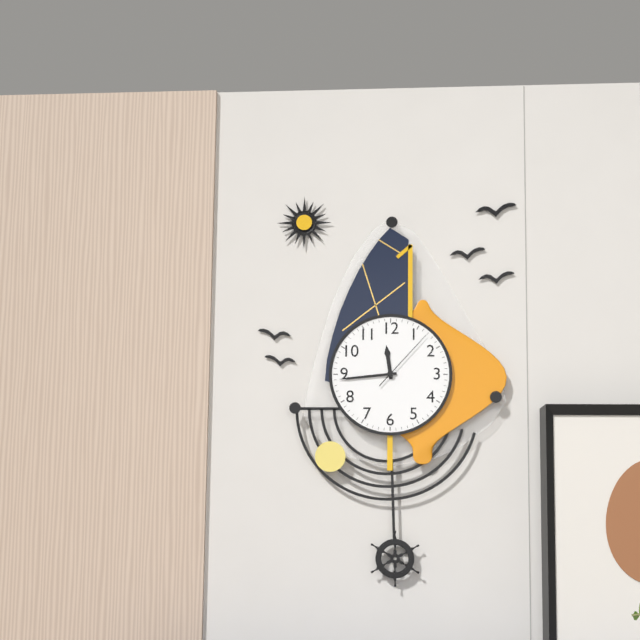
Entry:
h=11 m=44 s=7
